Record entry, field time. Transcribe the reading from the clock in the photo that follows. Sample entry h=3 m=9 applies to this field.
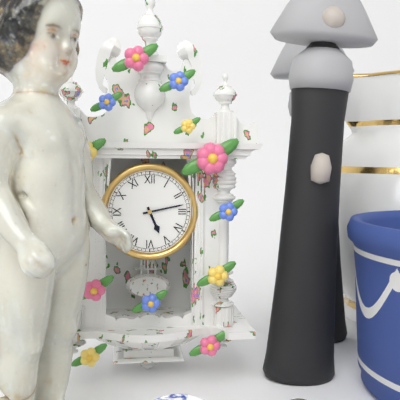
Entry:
h=5 m=13
